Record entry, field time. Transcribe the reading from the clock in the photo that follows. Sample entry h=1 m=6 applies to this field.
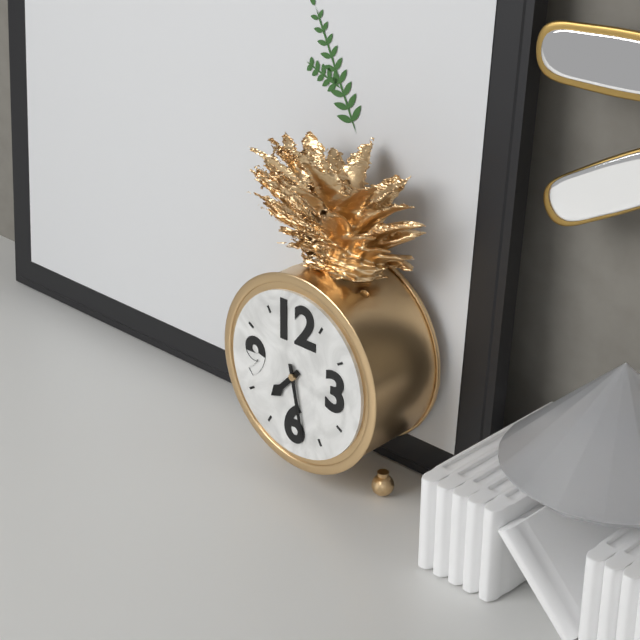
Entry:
h=7 m=28
